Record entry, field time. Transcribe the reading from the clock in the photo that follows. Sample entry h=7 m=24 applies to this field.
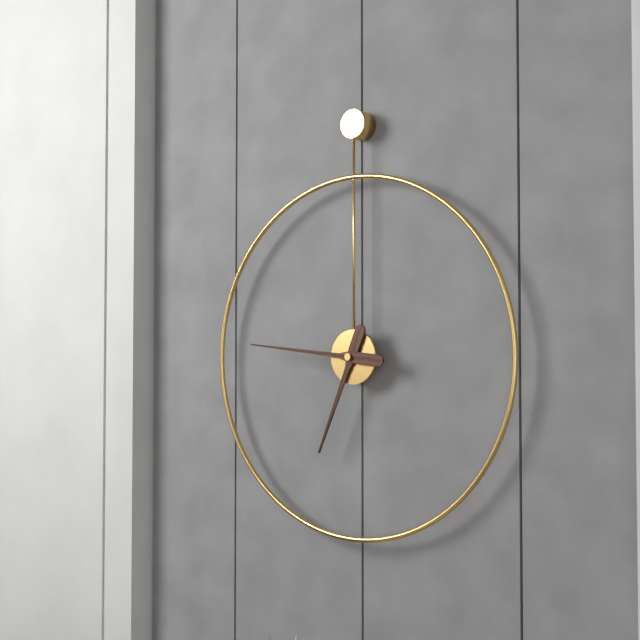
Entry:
h=6 m=46
